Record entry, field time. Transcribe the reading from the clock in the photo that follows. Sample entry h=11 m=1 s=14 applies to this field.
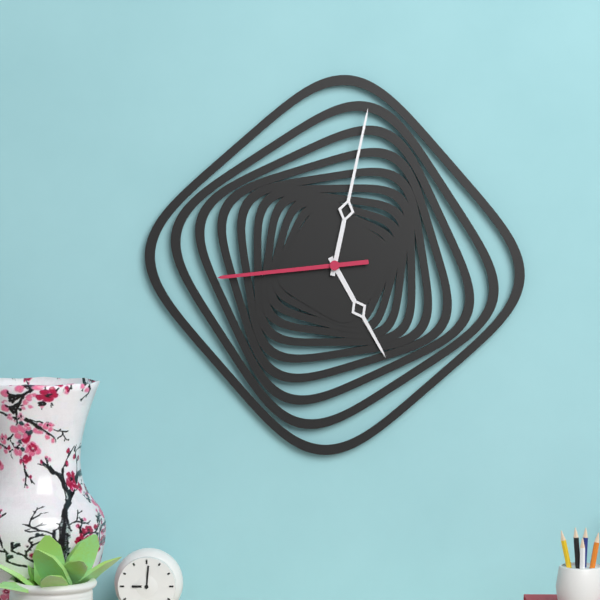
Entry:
h=5 m=2 s=44
